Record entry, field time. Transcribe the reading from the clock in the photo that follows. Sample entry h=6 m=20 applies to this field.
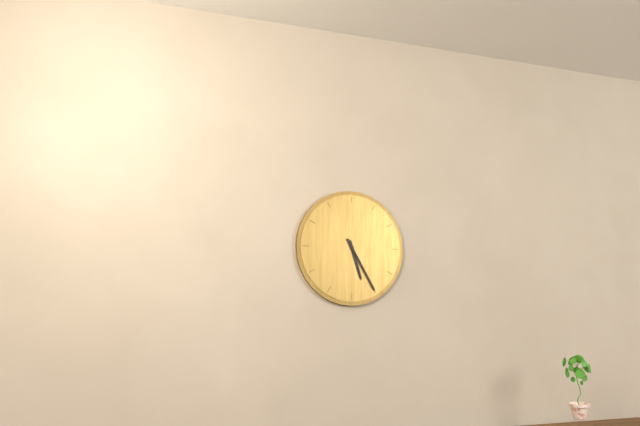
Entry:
h=5 m=25
